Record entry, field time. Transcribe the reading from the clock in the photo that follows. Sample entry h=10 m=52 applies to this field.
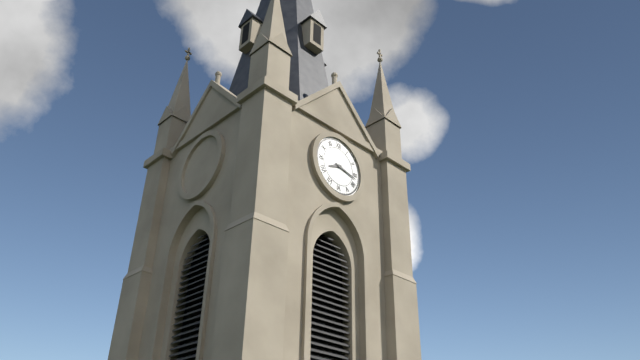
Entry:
h=8 m=17
